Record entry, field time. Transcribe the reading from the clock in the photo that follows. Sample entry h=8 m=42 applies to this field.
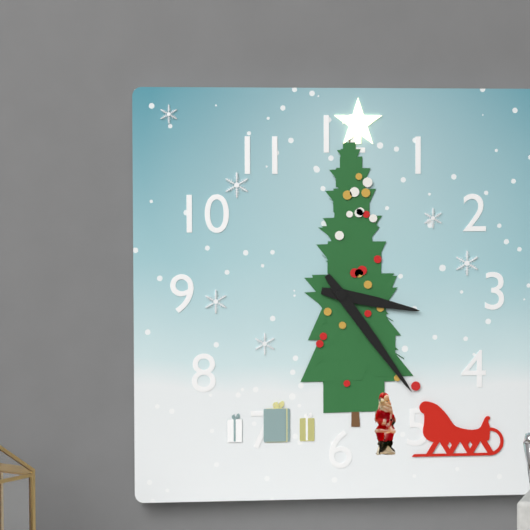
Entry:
h=3 m=24
